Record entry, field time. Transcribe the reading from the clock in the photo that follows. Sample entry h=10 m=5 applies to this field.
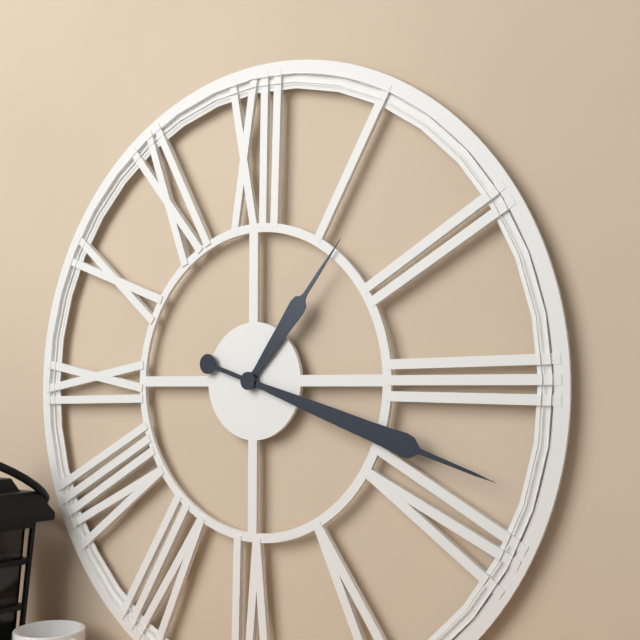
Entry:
h=1 m=18
